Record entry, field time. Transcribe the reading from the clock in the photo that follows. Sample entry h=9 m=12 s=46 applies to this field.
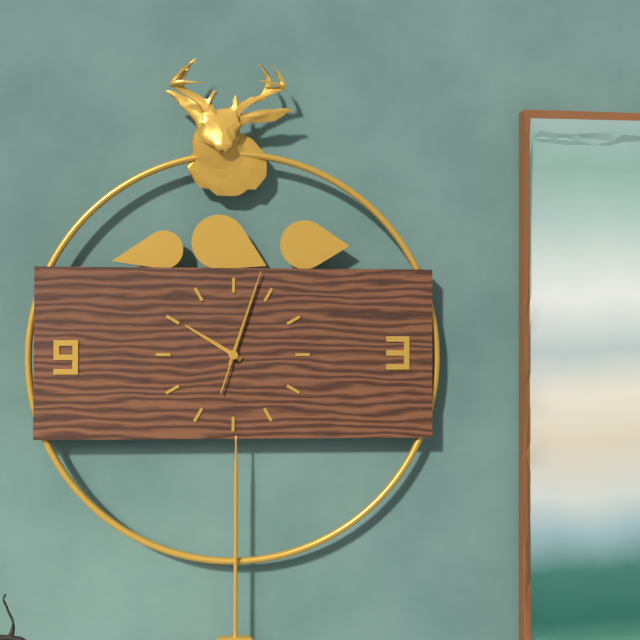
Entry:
h=10 m=3 s=3
